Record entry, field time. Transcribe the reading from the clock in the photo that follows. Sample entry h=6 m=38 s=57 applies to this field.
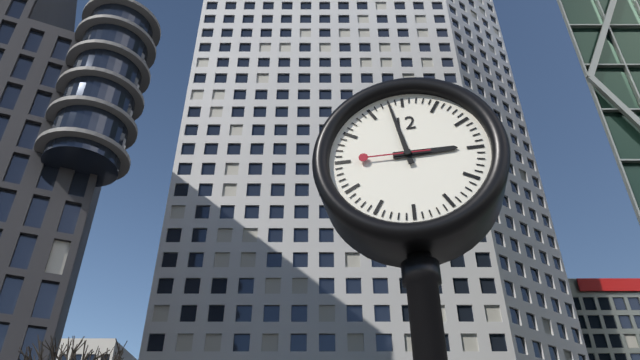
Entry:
h=2 m=58 s=45
